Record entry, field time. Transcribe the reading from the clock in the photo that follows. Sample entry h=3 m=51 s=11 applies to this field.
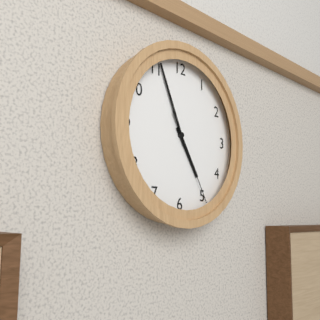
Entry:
h=4 m=56 s=25
